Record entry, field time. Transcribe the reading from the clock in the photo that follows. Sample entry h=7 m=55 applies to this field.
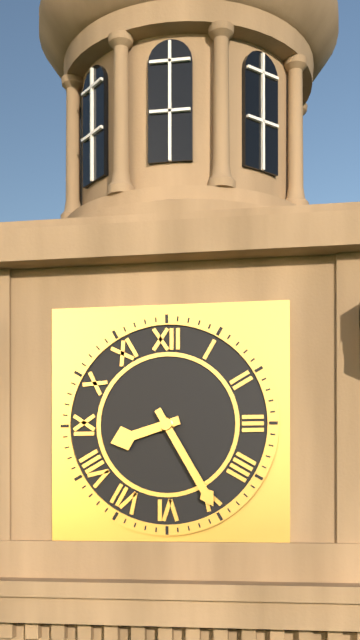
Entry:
h=8 m=25
